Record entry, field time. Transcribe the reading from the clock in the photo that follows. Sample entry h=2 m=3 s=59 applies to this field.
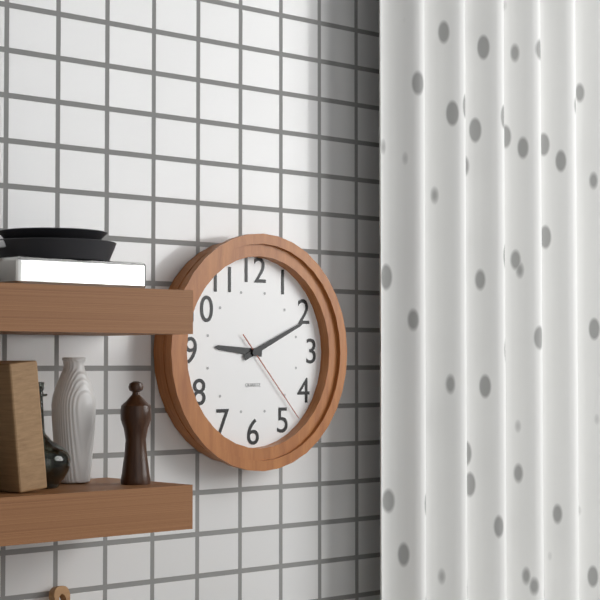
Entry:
h=9 m=11 s=23
